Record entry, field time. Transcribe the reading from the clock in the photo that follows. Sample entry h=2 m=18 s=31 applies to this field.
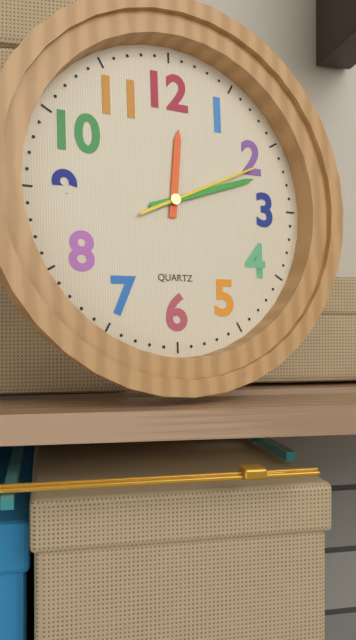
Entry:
h=12 m=12 s=11
